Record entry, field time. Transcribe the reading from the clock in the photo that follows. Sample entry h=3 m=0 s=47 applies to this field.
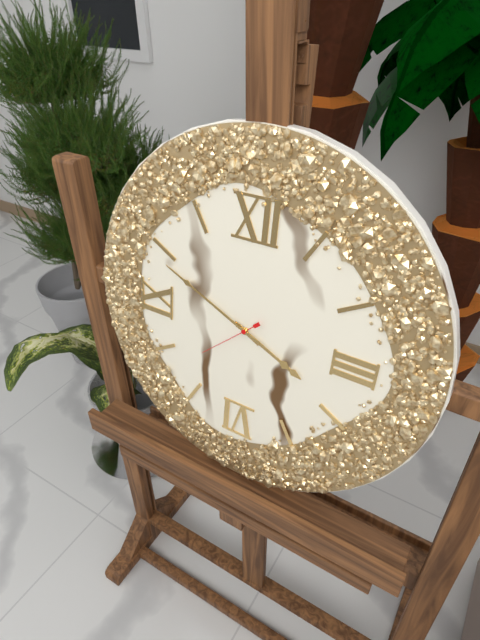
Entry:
h=3 m=49 s=38
